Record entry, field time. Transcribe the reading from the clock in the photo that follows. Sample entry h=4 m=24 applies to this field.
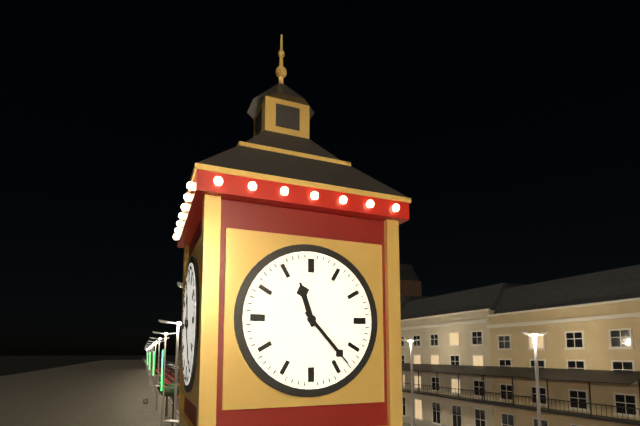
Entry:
h=11 m=23
